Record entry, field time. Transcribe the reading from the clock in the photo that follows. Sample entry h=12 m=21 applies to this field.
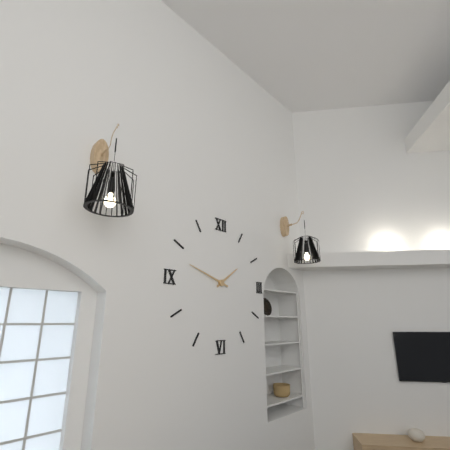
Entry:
h=1 m=48
